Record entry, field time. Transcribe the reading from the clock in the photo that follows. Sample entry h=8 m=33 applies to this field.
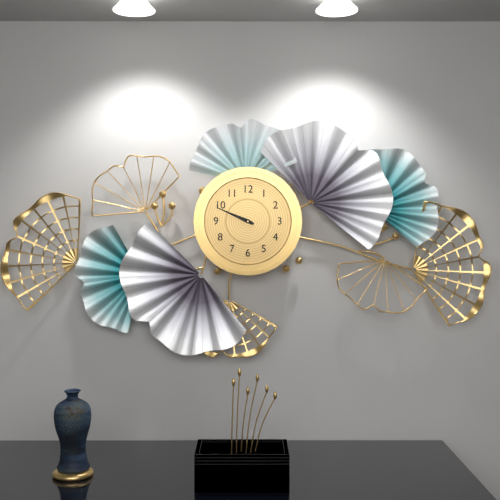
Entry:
h=9 m=49
